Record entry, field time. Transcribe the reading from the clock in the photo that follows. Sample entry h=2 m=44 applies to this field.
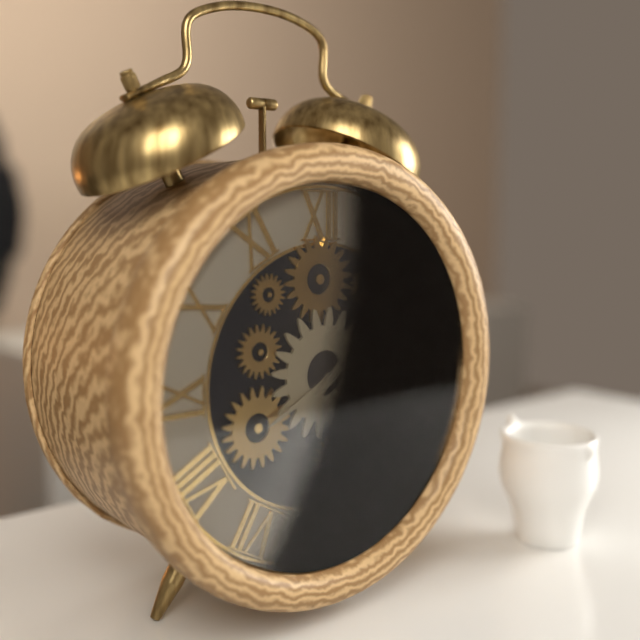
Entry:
h=8 m=7
